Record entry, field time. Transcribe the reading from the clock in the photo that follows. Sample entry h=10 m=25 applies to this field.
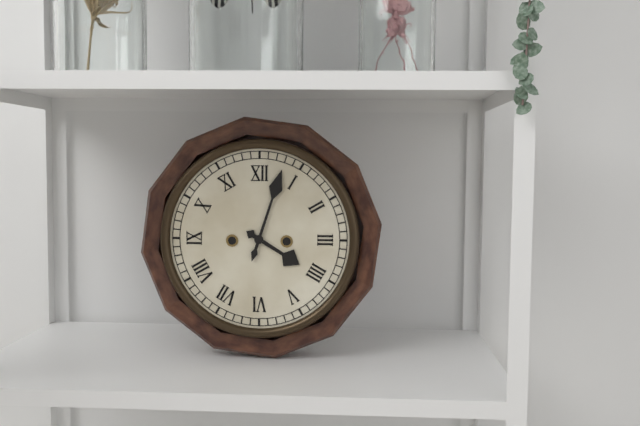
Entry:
h=4 m=3
